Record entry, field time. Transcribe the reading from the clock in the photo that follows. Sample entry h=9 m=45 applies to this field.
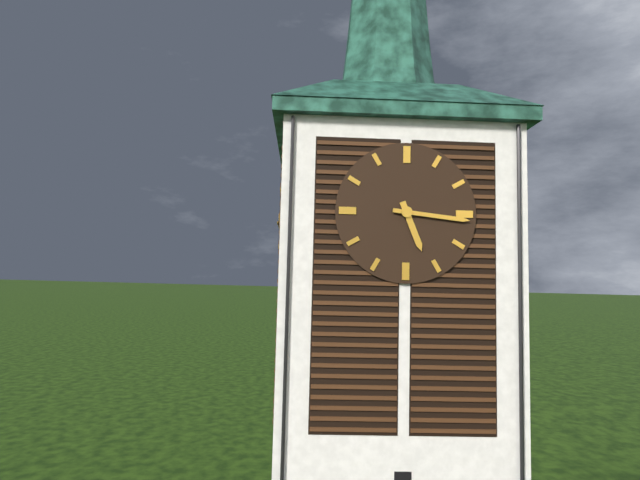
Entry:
h=5 m=16
